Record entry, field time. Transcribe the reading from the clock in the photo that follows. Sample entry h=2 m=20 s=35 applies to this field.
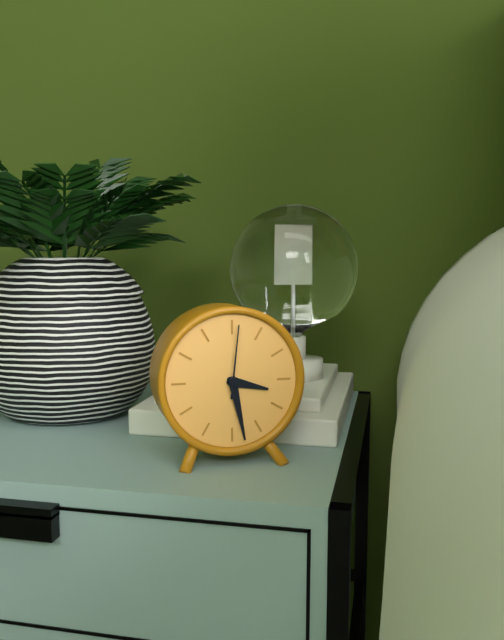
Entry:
h=3 m=28 s=1
